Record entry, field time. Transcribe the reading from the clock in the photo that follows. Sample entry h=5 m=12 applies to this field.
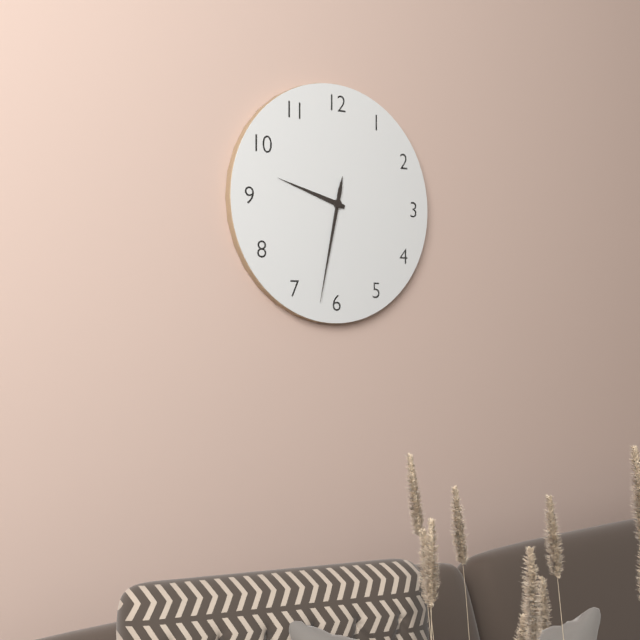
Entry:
h=9 m=32
